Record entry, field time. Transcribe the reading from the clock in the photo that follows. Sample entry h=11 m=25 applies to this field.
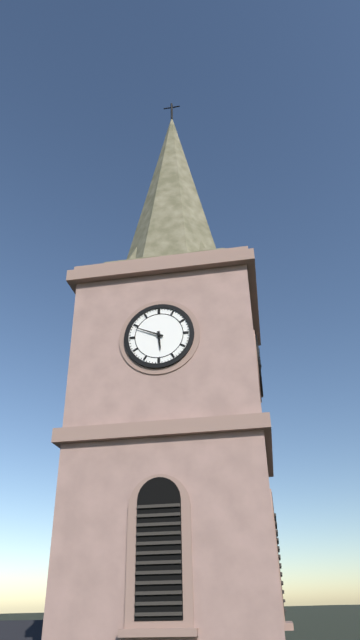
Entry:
h=5 m=49
